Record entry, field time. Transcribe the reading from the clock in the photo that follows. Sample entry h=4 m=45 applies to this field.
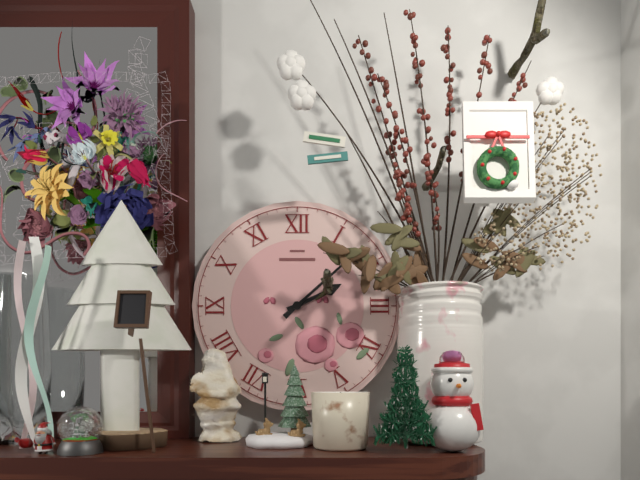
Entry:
h=2 m=8
